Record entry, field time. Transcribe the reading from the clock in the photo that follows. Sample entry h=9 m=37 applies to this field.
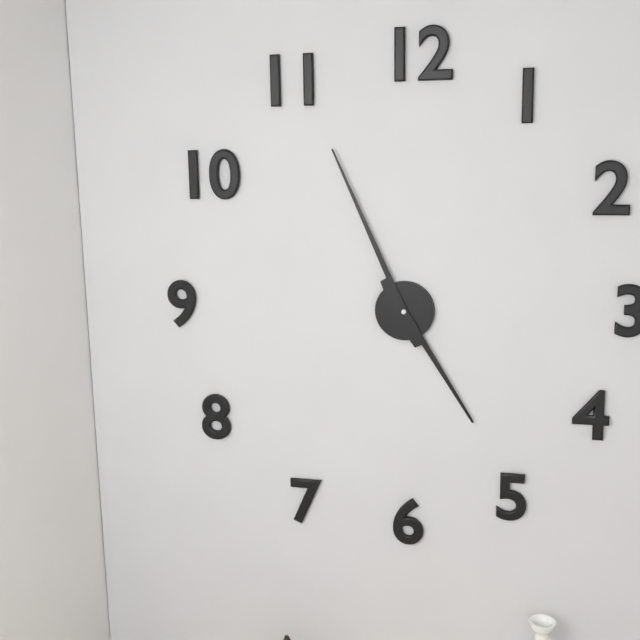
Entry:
h=4 m=56
